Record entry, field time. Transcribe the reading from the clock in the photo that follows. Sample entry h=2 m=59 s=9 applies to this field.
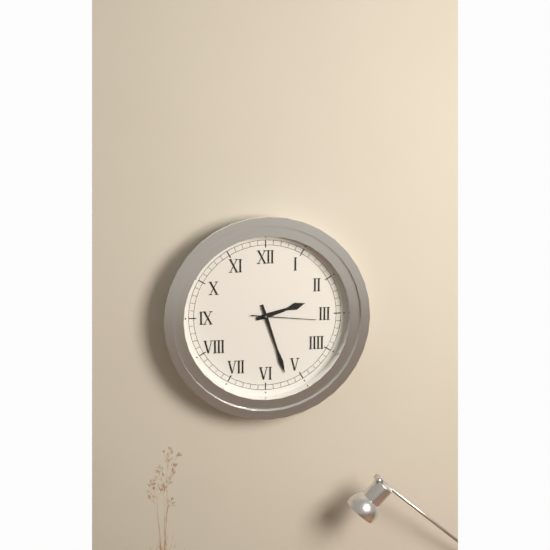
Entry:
h=2 m=27 s=16
